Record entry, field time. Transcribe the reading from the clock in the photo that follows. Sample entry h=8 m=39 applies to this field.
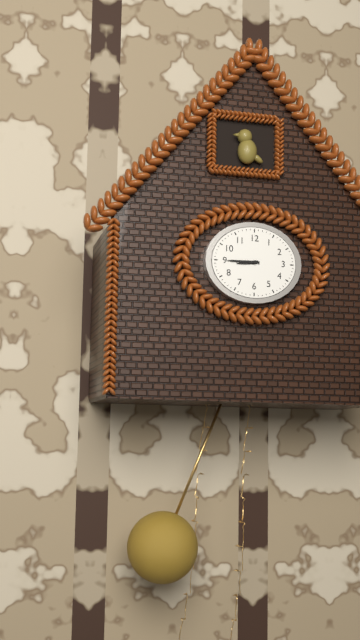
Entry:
h=8 m=45
